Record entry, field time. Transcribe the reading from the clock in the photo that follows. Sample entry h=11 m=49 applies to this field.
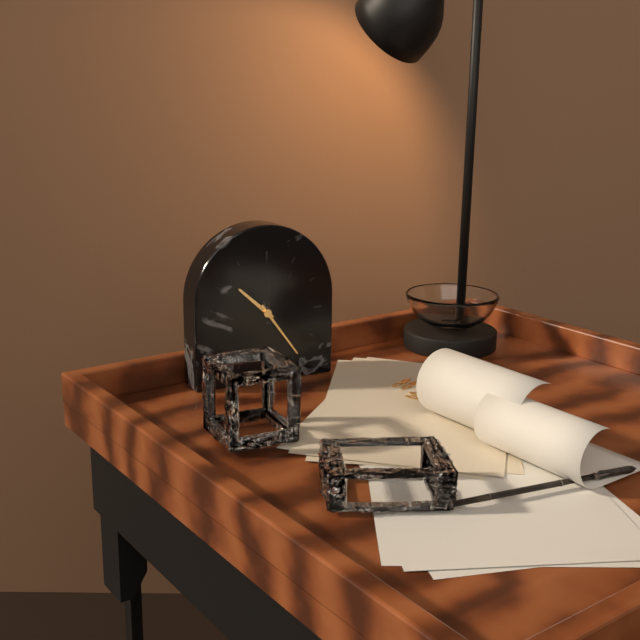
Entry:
h=10 m=24
